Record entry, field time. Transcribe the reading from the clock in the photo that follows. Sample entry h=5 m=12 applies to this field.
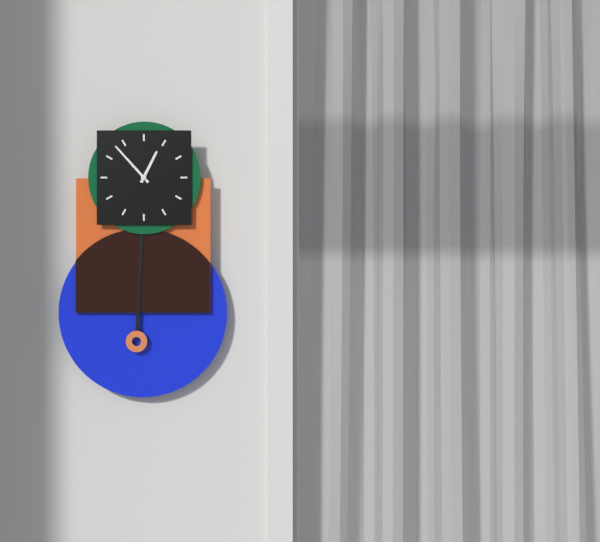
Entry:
h=12 m=53
